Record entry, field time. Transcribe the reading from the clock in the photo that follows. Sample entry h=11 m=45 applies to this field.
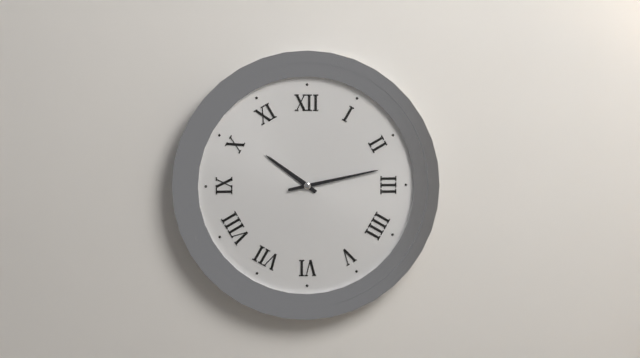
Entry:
h=10 m=13
